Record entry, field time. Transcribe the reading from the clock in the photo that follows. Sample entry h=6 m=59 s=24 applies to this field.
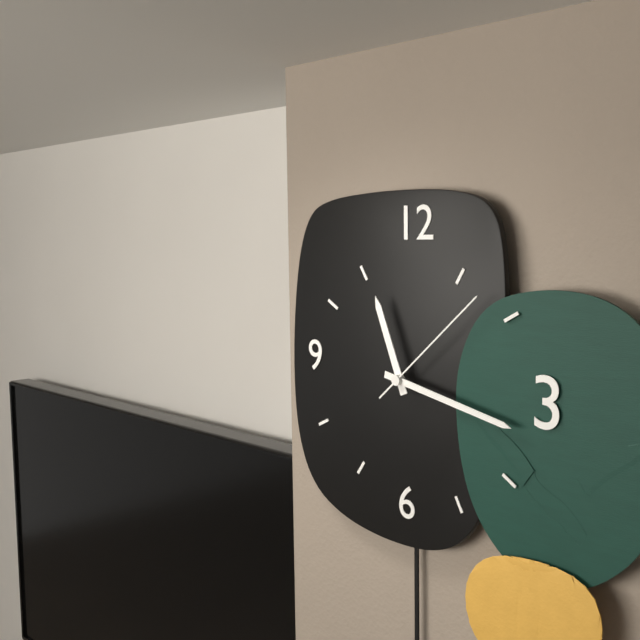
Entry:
h=11 m=17 s=8
